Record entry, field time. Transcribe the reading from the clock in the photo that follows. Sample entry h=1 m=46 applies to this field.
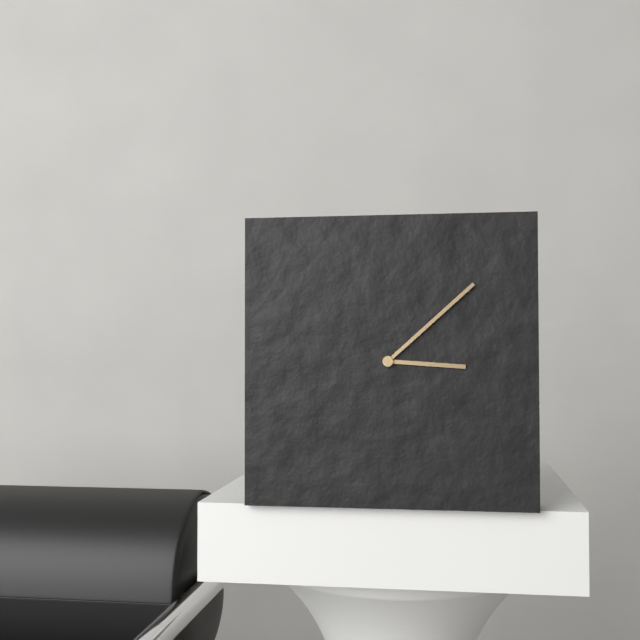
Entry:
h=3 m=8
